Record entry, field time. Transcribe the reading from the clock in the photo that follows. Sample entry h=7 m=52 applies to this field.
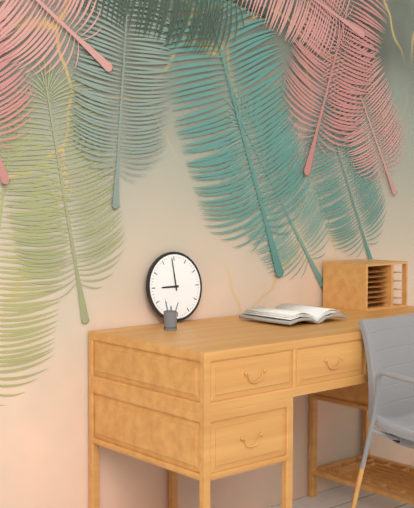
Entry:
h=8 m=59
